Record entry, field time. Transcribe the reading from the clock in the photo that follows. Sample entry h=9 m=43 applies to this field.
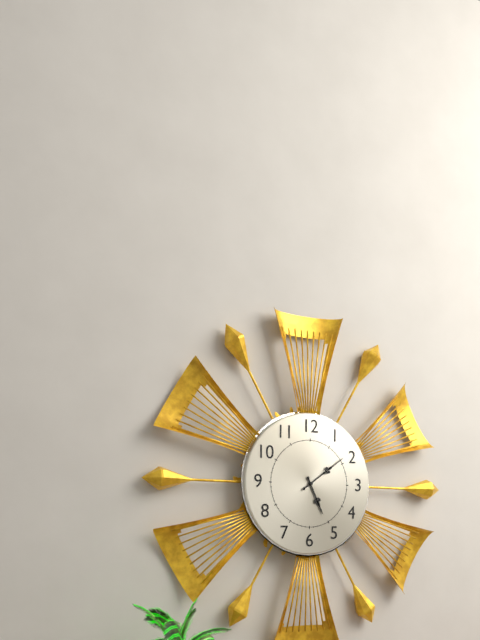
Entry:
h=5 m=9
